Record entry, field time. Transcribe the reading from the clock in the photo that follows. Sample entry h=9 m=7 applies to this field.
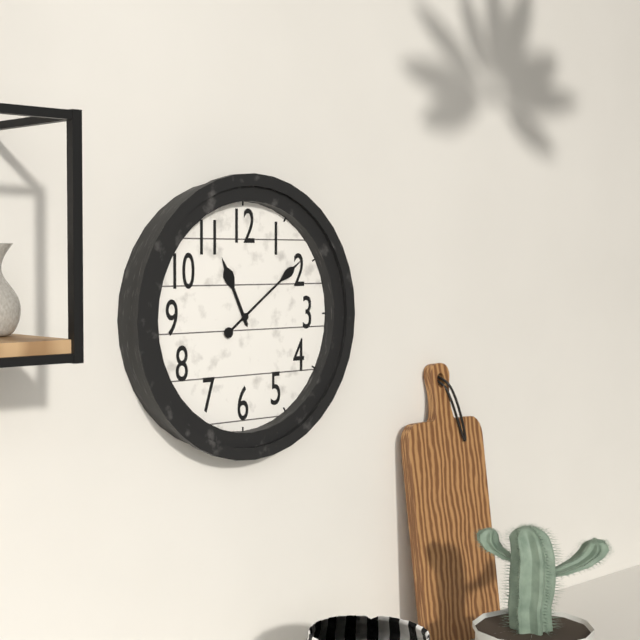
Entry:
h=11 m=9
